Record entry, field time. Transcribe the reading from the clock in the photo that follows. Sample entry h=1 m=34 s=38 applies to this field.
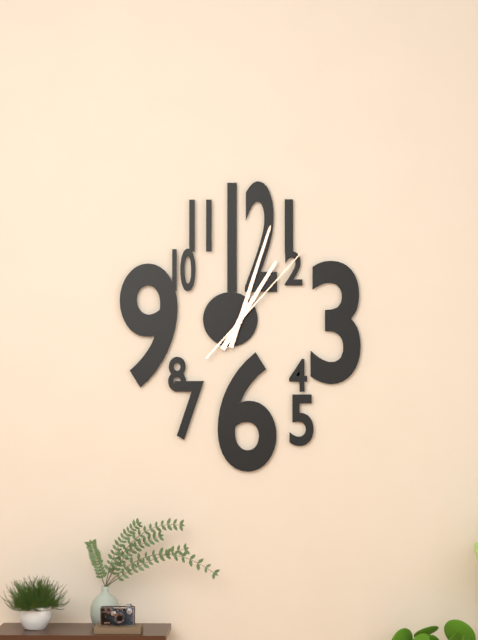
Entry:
h=1 m=3 s=7
